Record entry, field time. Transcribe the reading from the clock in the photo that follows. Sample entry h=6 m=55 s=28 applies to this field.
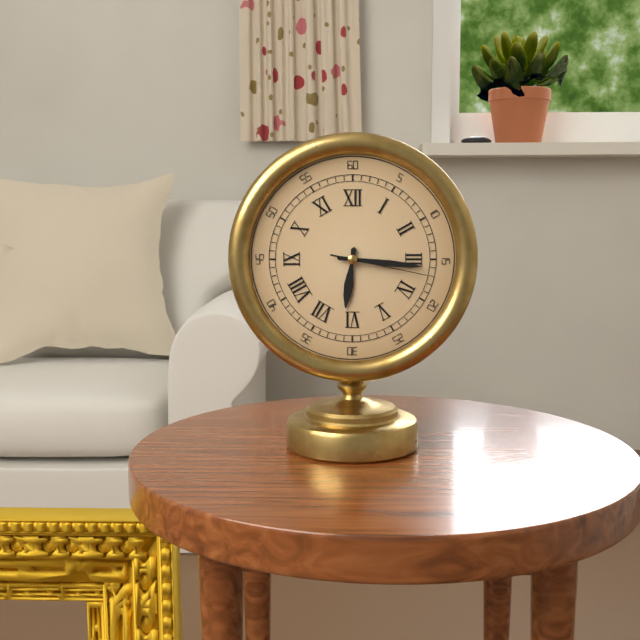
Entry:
h=6 m=16 s=17
